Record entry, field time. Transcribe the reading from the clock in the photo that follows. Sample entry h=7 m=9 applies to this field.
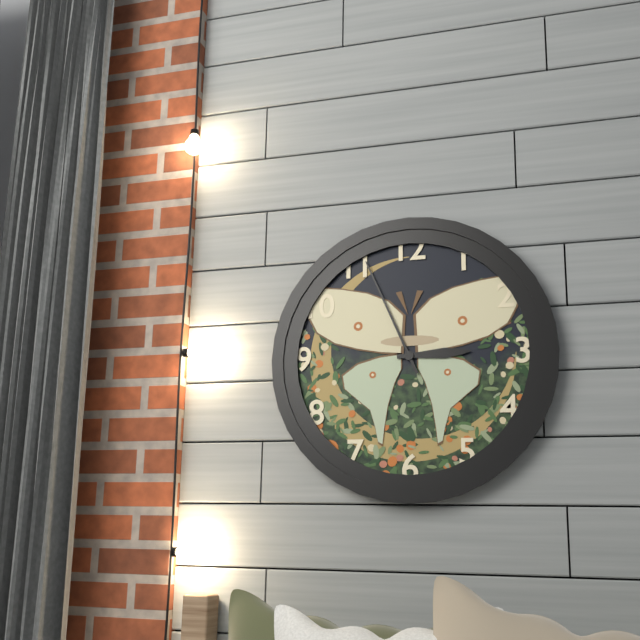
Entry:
h=2 m=56
